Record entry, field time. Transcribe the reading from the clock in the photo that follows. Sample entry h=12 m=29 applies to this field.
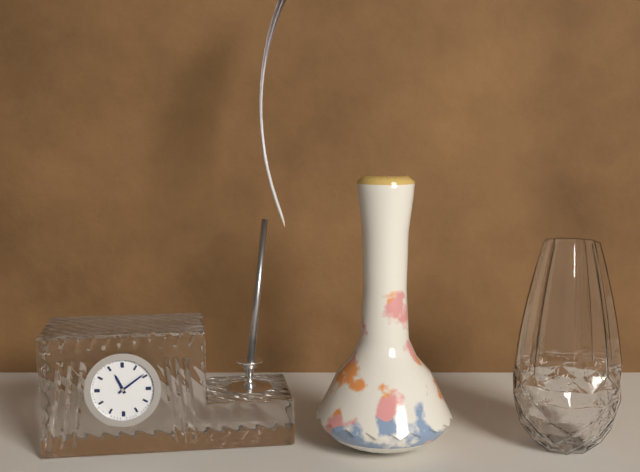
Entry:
h=11 m=9
